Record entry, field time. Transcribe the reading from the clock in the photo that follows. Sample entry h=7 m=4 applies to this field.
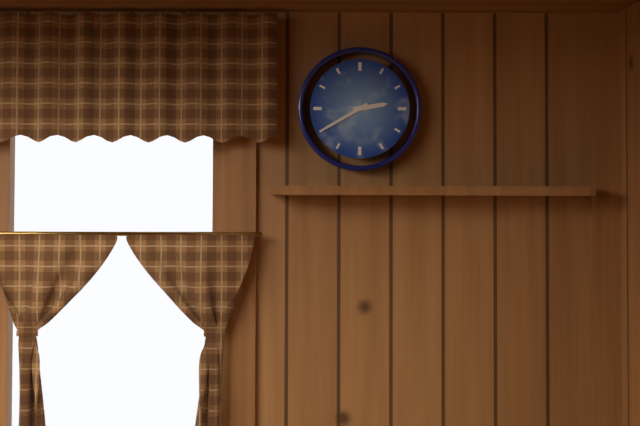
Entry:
h=2 m=40
